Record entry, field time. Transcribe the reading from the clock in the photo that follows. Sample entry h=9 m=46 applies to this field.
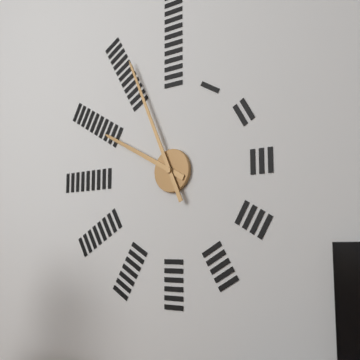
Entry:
h=9 m=56
